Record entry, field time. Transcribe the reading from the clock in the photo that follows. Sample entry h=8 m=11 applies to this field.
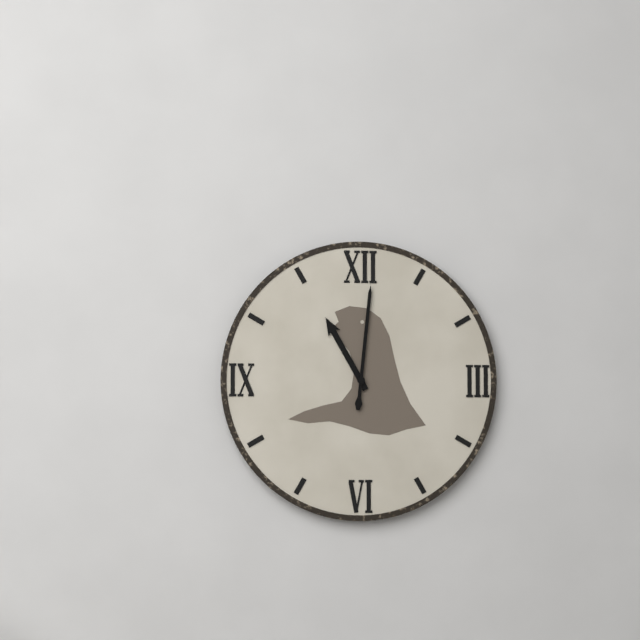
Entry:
h=11 m=1
